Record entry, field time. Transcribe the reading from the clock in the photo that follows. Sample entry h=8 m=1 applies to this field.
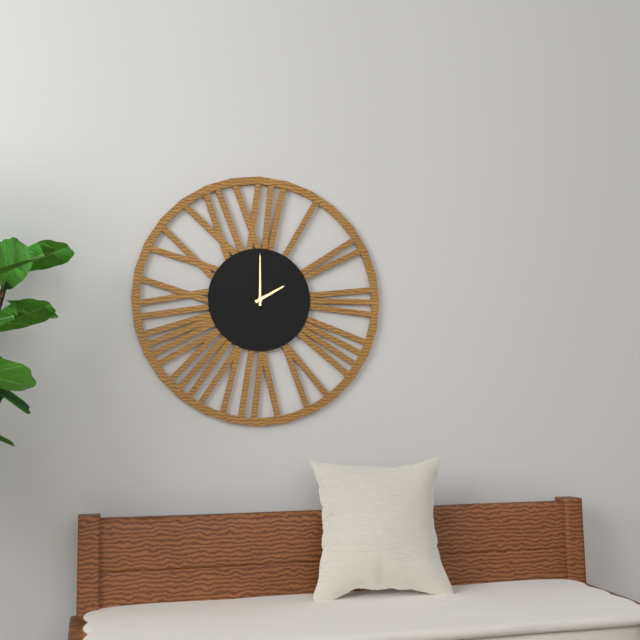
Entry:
h=2 m=0
